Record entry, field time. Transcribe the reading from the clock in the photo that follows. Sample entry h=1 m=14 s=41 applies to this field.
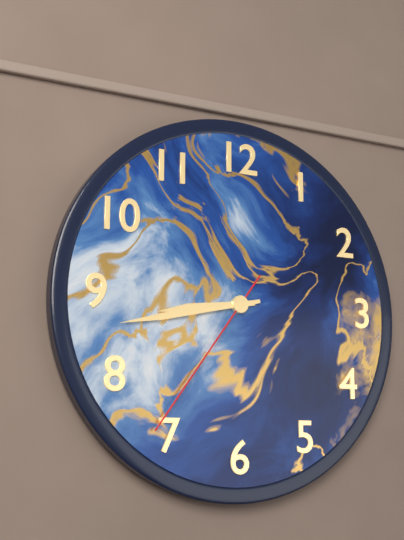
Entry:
h=8 m=43 s=36
